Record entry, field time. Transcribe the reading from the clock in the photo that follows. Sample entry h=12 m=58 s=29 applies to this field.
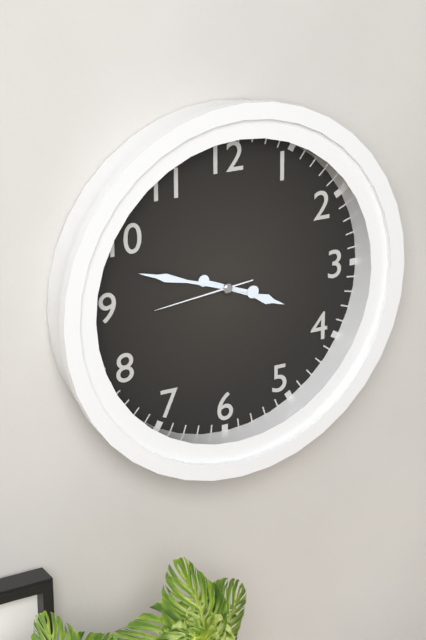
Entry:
h=3 m=48 s=44
